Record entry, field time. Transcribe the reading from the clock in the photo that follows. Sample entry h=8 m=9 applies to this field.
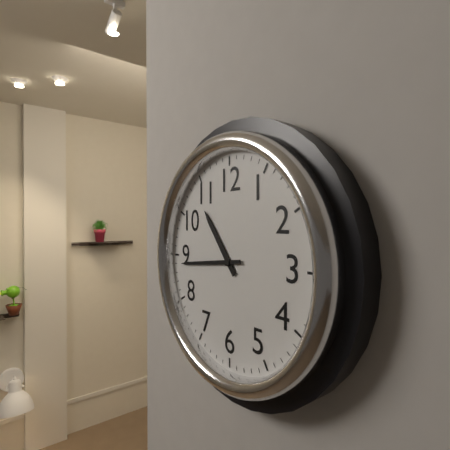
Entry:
h=10 m=44
